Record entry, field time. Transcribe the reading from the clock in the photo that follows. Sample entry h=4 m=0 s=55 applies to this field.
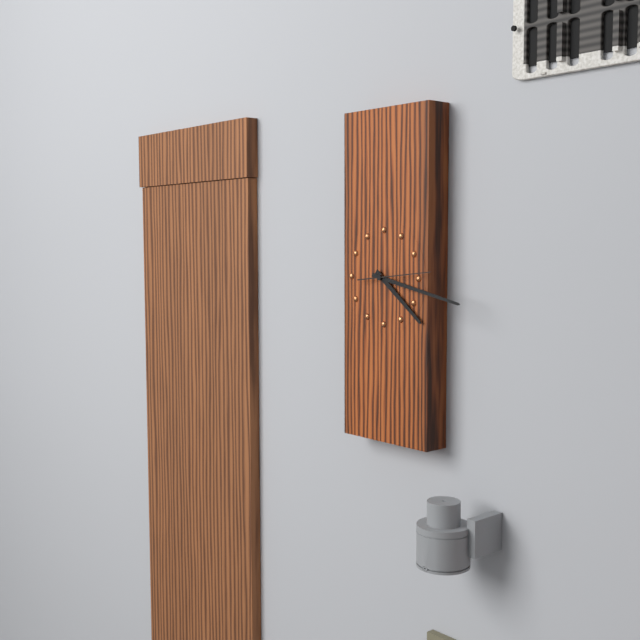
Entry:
h=4 m=17 s=14
